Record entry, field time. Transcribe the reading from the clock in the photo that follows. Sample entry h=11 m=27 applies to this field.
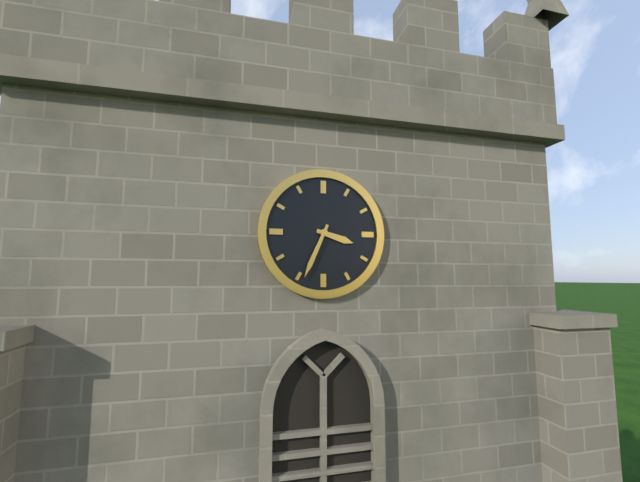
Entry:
h=3 m=34
